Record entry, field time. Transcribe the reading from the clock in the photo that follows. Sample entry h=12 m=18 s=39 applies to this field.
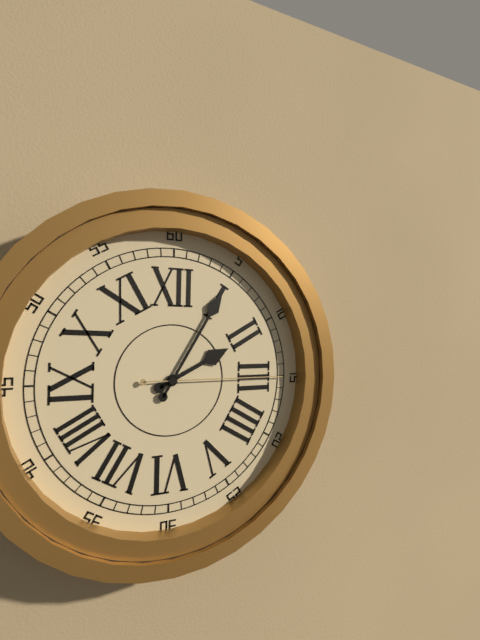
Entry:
h=2 m=5 s=15
